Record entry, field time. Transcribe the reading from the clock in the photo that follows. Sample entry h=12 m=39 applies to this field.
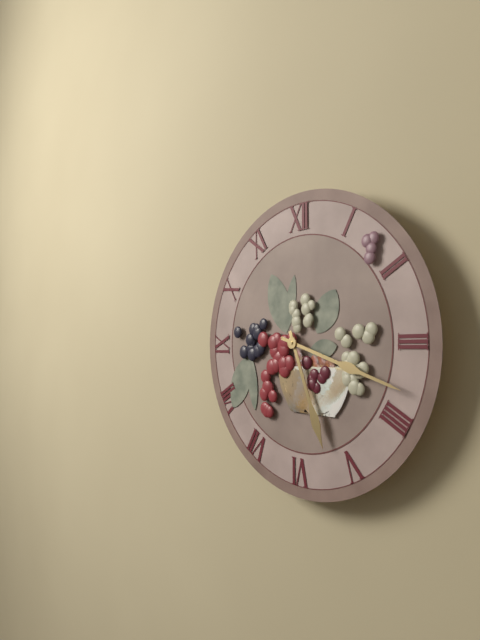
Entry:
h=5 m=18
